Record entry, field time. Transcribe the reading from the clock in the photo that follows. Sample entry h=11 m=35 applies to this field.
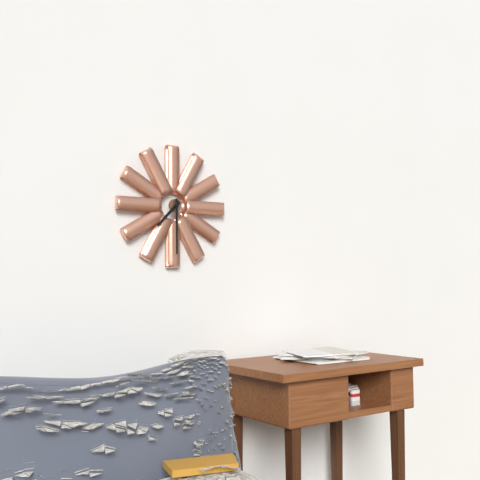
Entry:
h=7 m=30
